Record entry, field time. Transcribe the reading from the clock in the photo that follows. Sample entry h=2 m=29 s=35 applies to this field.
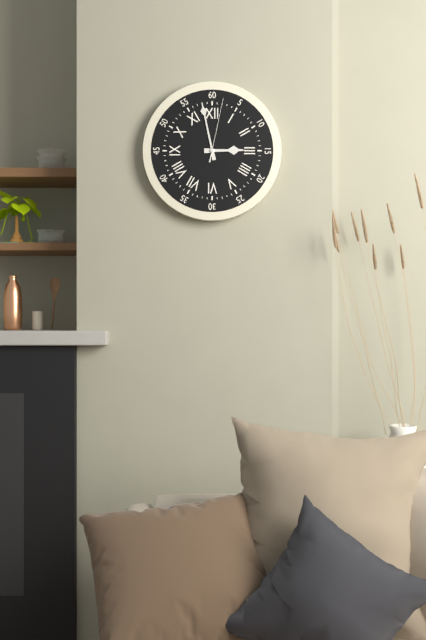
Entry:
h=2 m=58 s=2
